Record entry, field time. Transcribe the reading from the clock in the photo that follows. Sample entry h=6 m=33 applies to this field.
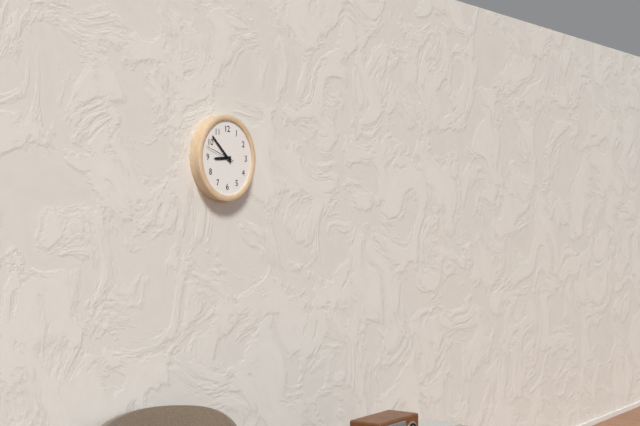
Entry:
h=8 m=52
